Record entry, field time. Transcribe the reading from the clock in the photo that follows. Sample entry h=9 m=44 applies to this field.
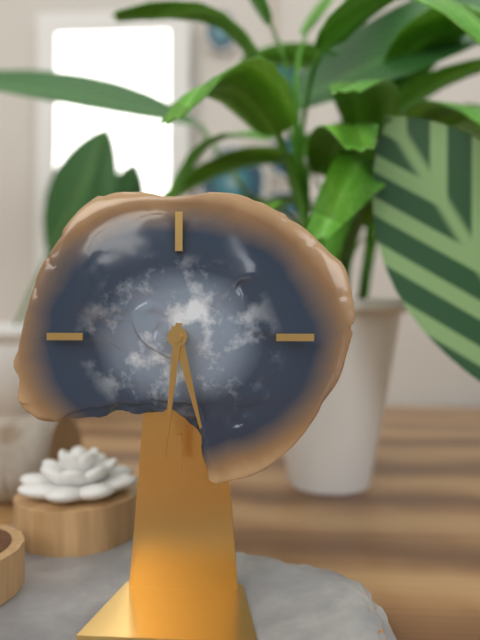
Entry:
h=5 m=31
